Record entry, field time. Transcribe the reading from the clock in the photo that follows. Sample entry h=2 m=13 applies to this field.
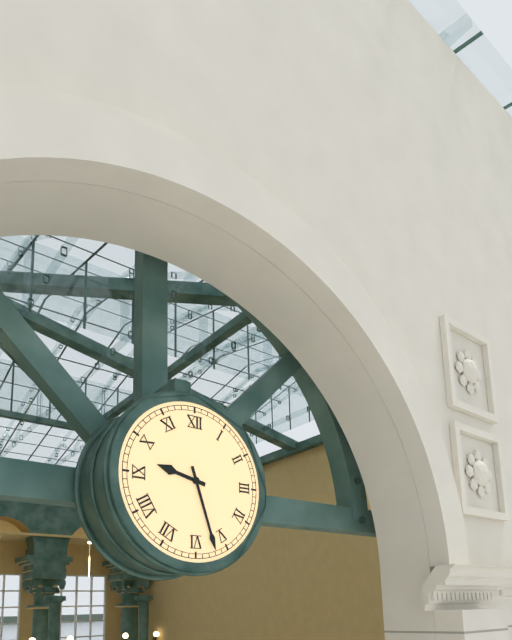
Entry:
h=9 m=27
